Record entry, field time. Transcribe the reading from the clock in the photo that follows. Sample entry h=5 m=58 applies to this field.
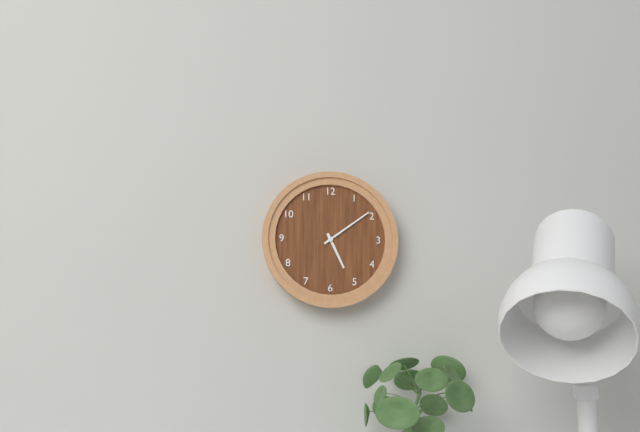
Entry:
h=5 m=9
